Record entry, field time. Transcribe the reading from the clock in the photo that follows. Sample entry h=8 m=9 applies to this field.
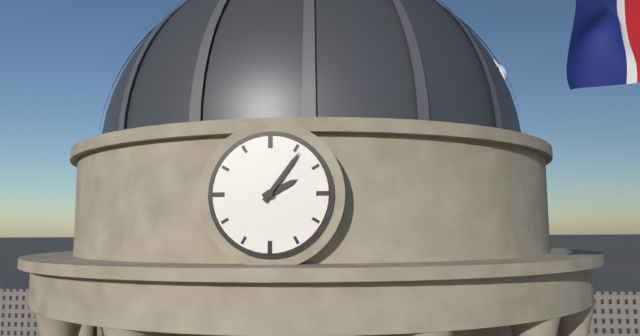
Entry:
h=2 m=6
